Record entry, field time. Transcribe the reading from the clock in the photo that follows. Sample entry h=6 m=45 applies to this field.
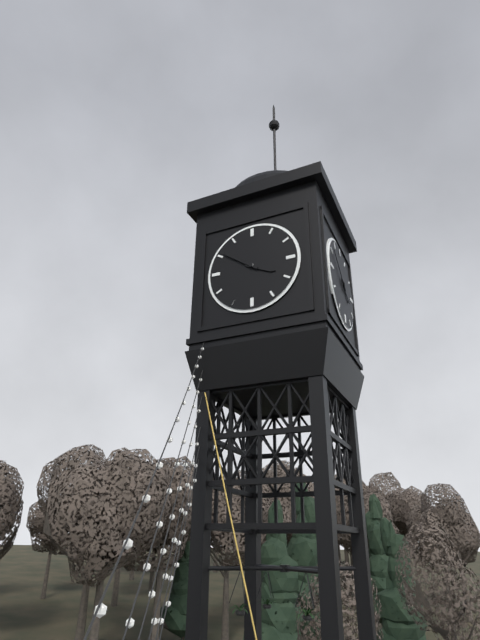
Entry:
h=3 m=51
